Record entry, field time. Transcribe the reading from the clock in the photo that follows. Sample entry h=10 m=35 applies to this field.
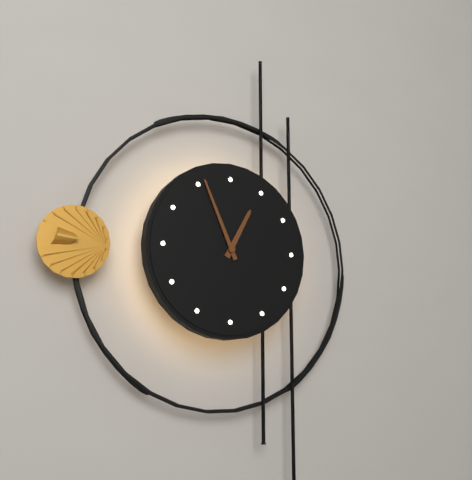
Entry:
h=12 m=56
